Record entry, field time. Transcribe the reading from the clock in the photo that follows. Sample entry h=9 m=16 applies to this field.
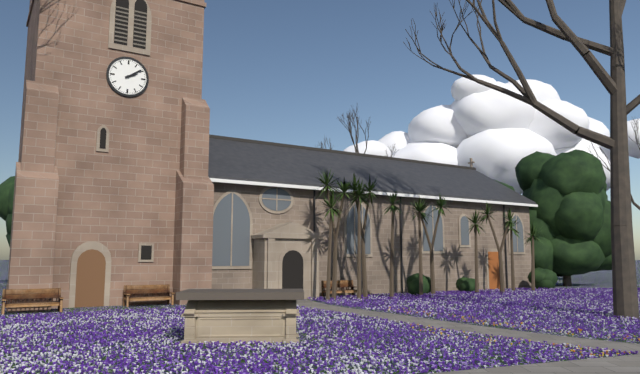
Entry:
h=2 m=9
